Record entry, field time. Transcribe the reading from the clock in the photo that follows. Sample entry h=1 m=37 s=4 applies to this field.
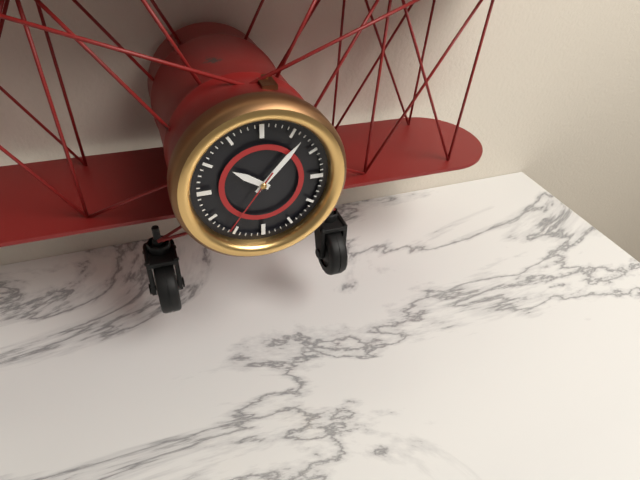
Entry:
h=10 m=7 s=36
